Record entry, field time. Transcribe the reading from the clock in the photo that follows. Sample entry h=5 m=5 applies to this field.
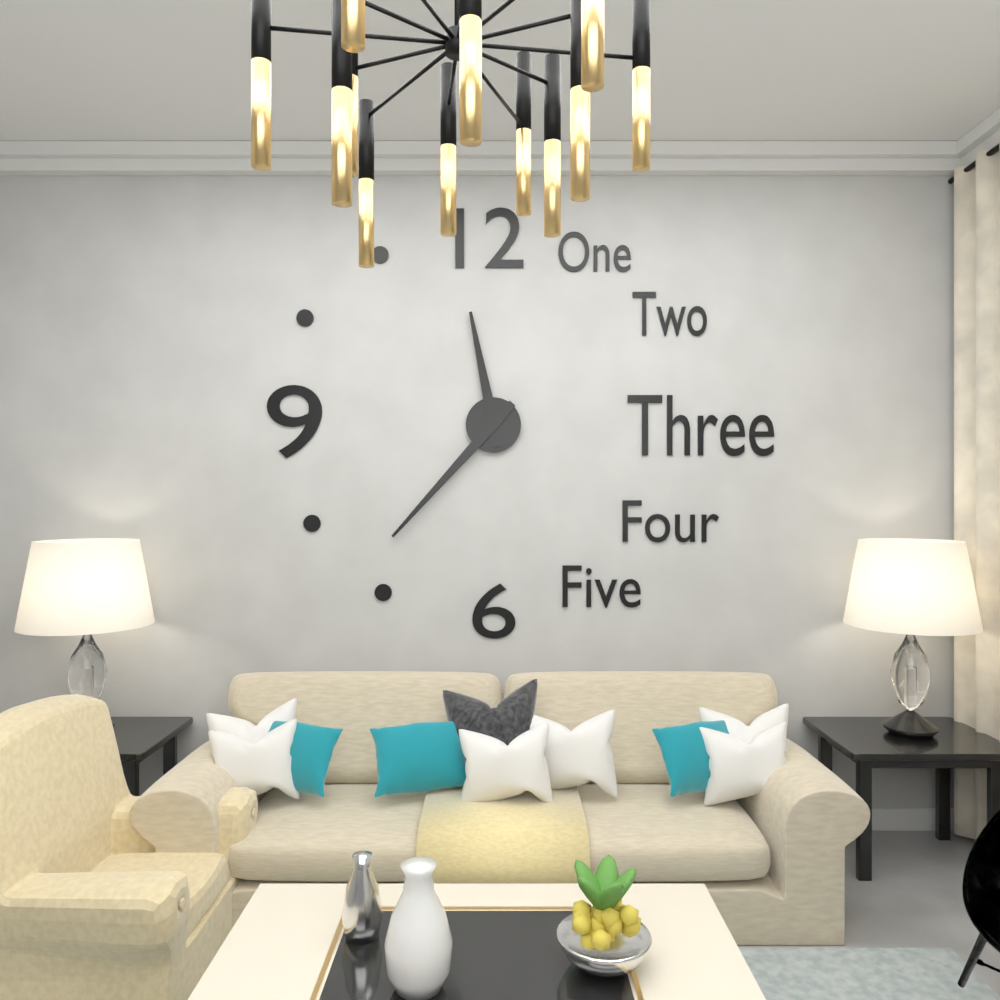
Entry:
h=11 m=37
